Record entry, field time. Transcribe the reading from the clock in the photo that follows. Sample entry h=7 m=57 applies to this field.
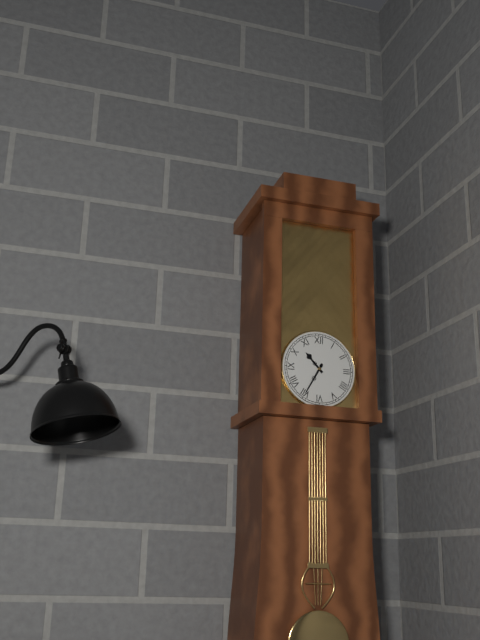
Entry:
h=10 m=35
